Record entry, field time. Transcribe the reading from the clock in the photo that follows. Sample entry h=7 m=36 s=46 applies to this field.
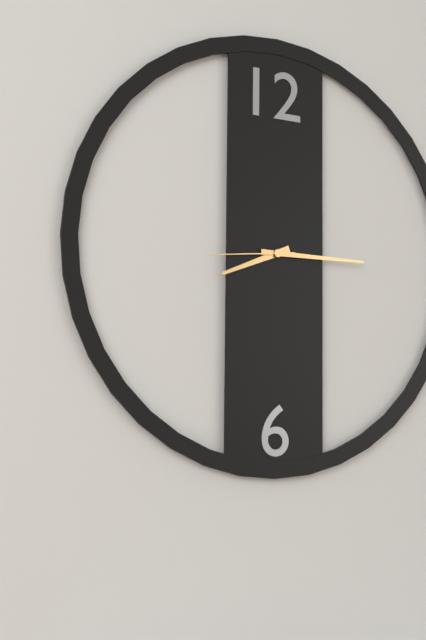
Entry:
h=8 m=15 s=44
